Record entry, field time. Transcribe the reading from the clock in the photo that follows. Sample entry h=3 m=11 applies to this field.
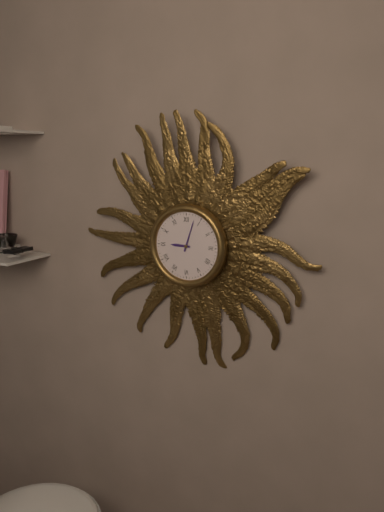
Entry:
h=9 m=3
